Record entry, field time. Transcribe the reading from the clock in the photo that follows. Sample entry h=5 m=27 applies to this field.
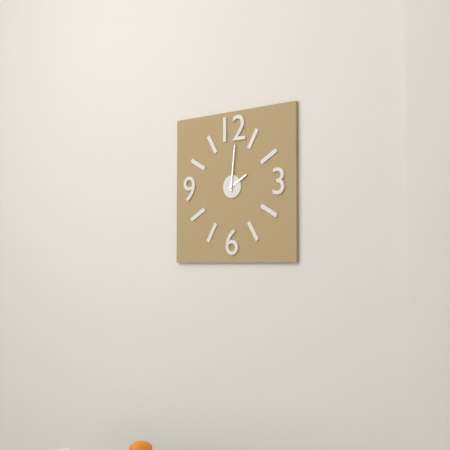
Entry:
h=2 m=1
